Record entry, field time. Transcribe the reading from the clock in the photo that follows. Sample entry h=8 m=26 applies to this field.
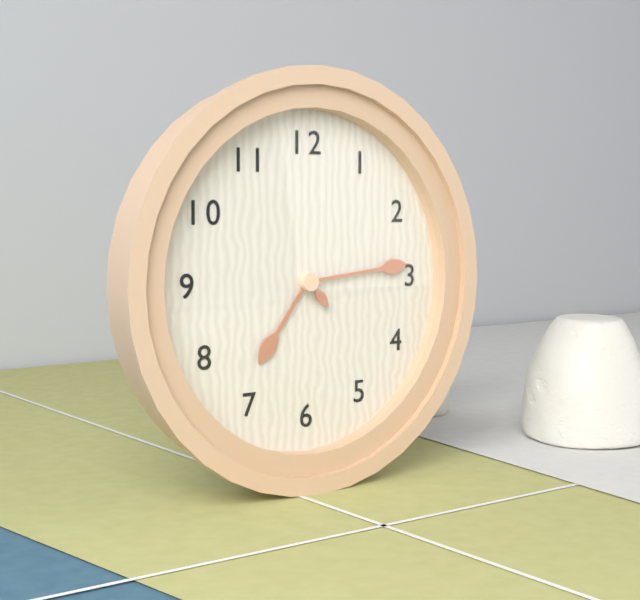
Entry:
h=7 m=14
